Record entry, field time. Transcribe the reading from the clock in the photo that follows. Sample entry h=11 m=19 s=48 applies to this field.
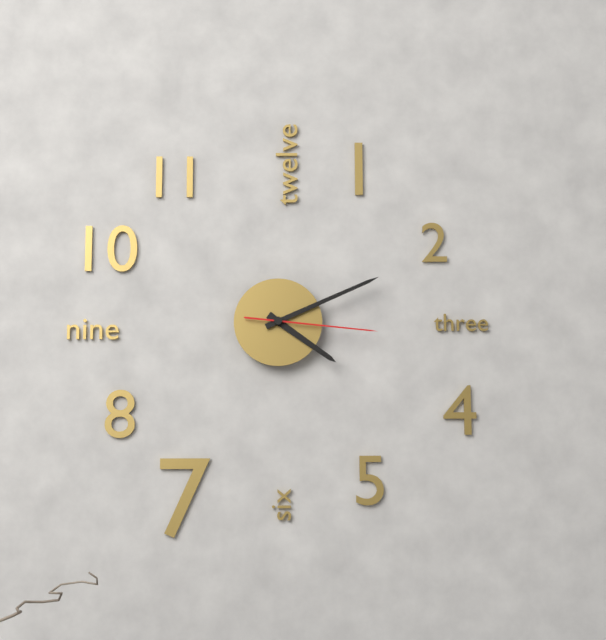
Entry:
h=4 m=11 s=16
